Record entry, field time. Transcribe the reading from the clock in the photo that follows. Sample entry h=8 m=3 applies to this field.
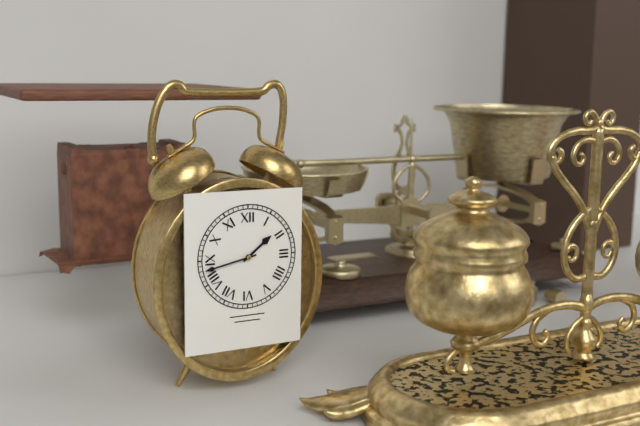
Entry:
h=1 m=43
